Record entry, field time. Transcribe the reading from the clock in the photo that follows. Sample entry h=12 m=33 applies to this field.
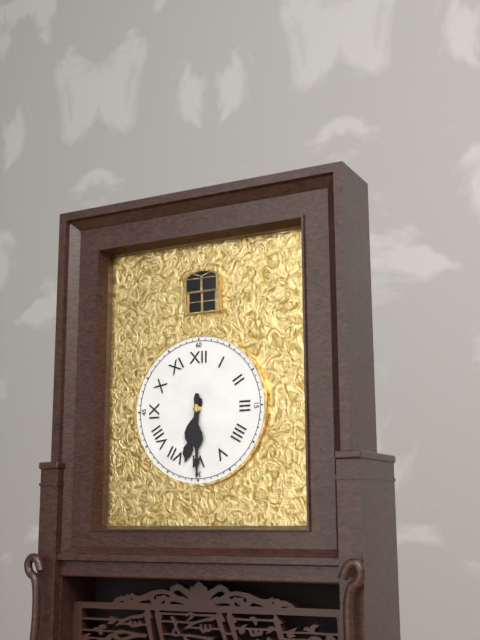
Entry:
h=6 m=30
